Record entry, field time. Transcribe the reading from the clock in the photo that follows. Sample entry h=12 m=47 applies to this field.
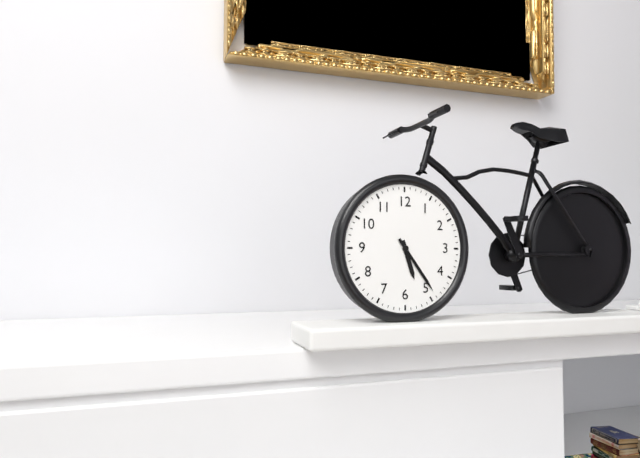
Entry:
h=5 m=24
